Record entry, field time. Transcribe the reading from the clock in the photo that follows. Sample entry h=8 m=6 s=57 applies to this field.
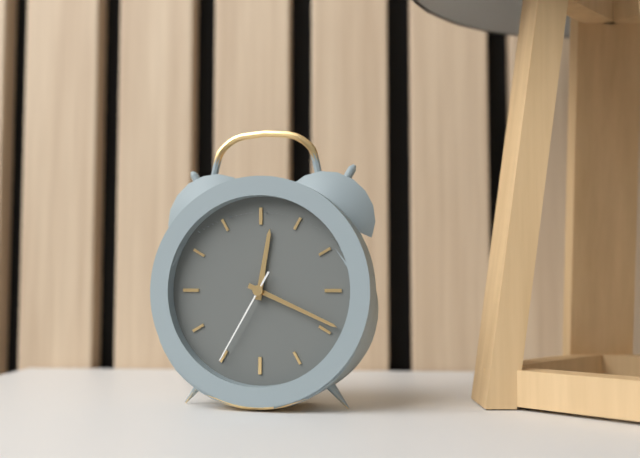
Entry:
h=12 m=19 s=35
